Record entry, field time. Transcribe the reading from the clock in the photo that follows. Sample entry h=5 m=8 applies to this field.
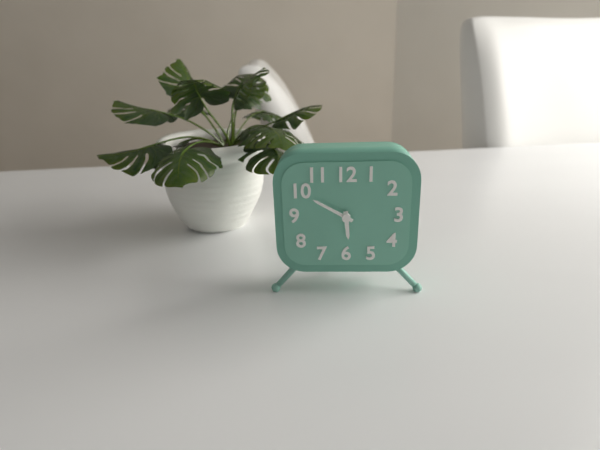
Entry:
h=5 m=50
